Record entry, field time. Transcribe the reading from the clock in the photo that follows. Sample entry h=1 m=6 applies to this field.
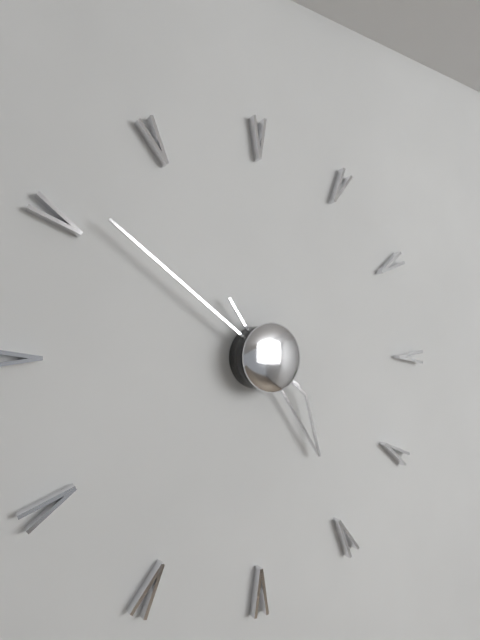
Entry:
h=4 m=51
